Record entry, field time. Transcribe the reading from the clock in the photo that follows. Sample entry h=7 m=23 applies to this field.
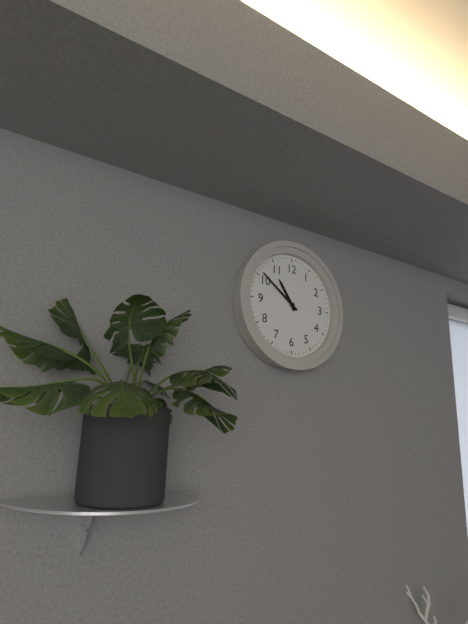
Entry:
h=10 m=51
